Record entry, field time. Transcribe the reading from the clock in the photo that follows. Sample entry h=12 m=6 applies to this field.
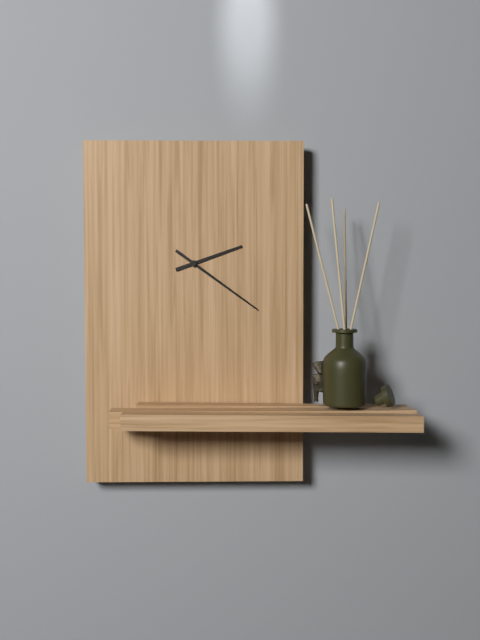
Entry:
h=2 m=21
